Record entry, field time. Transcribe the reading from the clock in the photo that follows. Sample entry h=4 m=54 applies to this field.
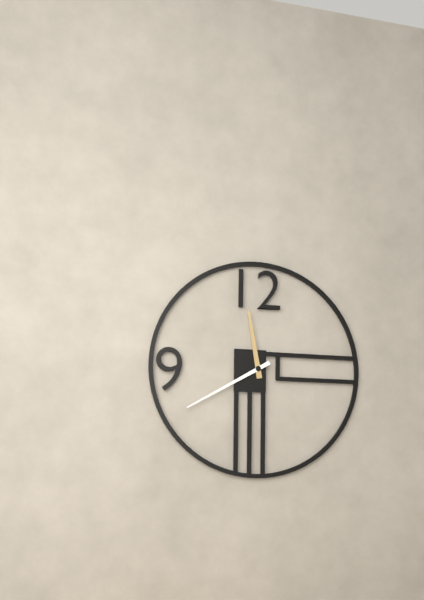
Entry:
h=11 m=40
